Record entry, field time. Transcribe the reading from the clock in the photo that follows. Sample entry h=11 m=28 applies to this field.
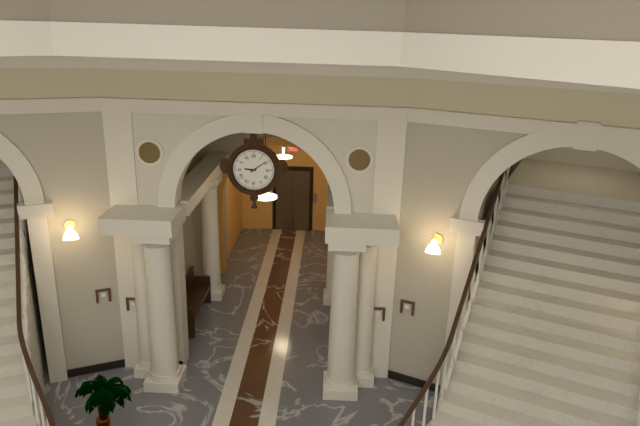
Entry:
h=9 m=9
